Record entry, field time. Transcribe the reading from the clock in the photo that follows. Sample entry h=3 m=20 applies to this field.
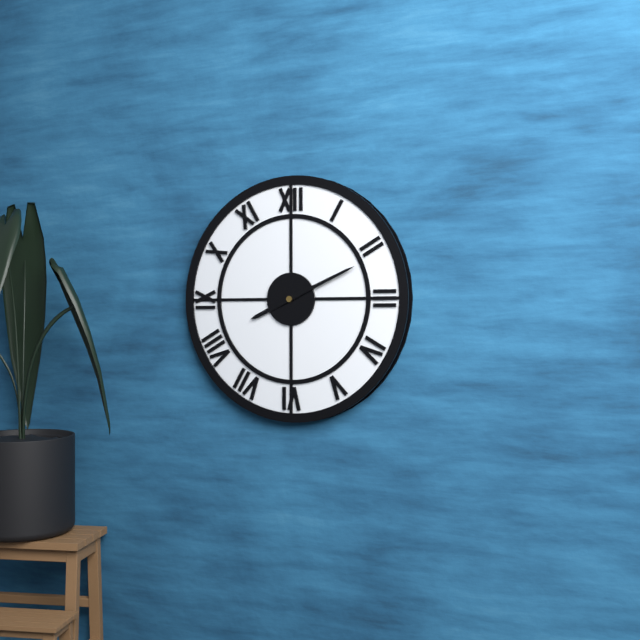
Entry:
h=8 m=11
